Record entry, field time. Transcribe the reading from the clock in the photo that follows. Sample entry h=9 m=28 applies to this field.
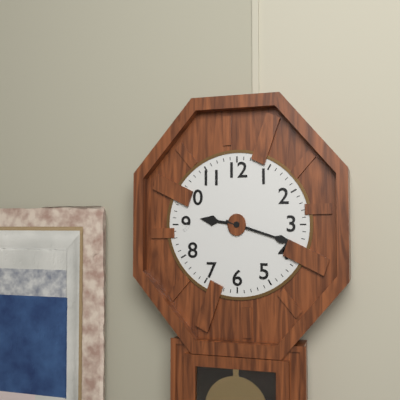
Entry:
h=9 m=18
